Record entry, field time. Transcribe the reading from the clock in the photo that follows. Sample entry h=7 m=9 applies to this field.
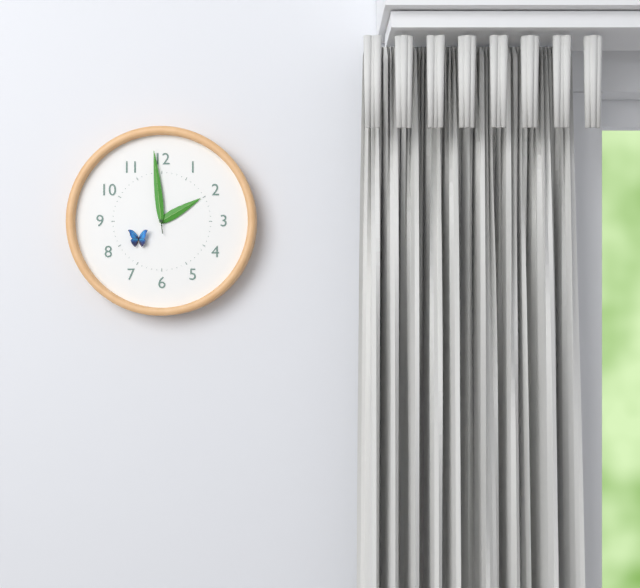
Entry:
h=1 m=59
